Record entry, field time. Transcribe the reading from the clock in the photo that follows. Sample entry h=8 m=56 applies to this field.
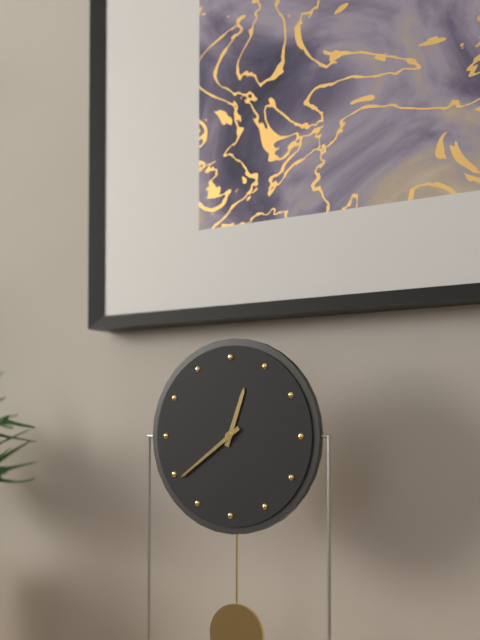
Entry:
h=12 m=39
